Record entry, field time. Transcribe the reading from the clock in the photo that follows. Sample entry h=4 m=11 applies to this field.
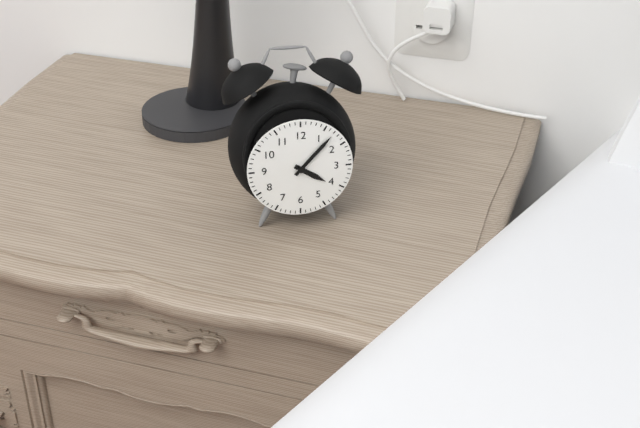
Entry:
h=4 m=7
